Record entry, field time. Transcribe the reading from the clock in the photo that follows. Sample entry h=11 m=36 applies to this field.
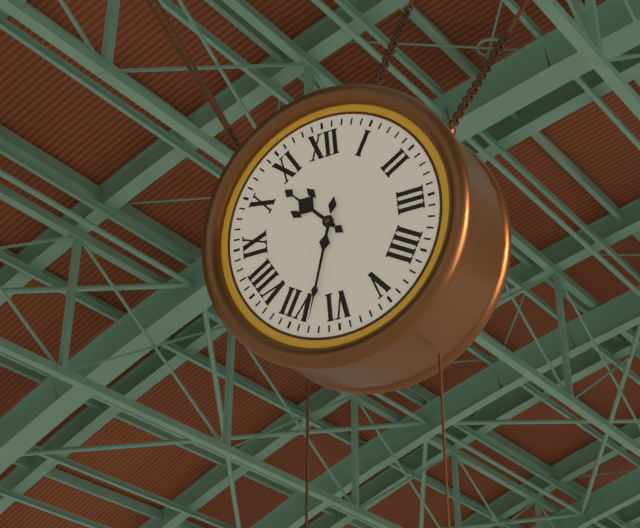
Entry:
h=10 m=33
